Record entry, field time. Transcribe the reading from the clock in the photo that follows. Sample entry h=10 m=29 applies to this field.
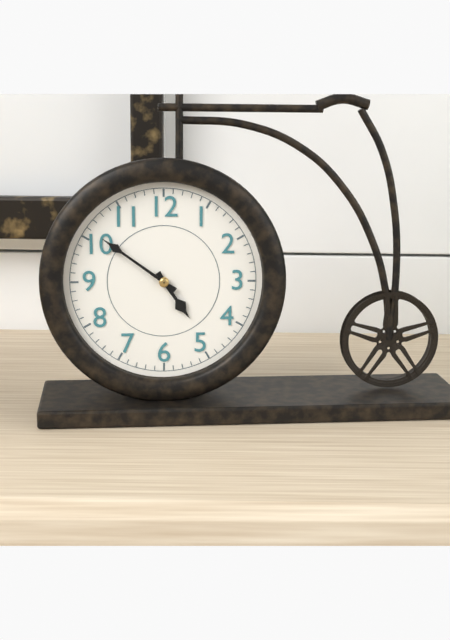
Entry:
h=4 m=51
